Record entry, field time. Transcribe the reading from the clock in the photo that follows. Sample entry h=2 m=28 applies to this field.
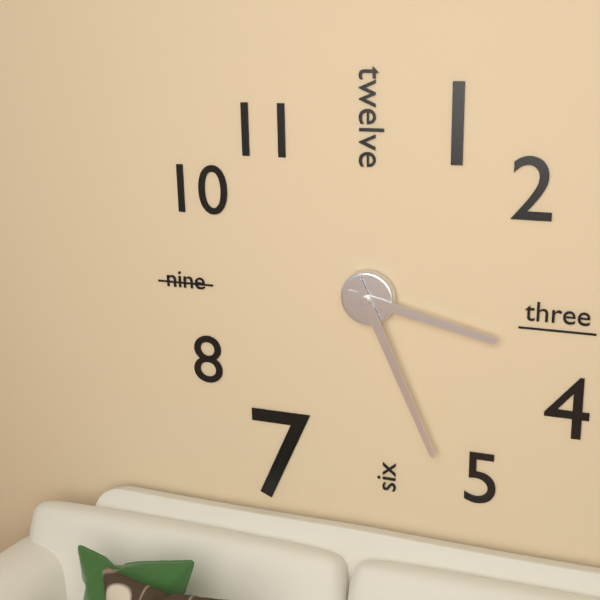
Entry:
h=3 m=26
